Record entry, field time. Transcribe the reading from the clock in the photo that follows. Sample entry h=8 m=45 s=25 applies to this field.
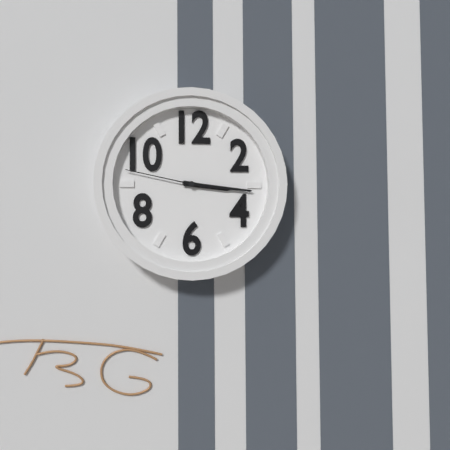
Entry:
h=3 m=16 s=47
